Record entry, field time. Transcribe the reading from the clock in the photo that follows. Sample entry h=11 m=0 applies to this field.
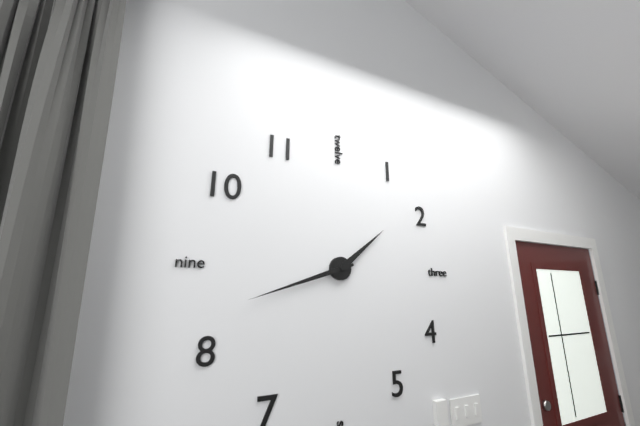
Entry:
h=1 m=42
